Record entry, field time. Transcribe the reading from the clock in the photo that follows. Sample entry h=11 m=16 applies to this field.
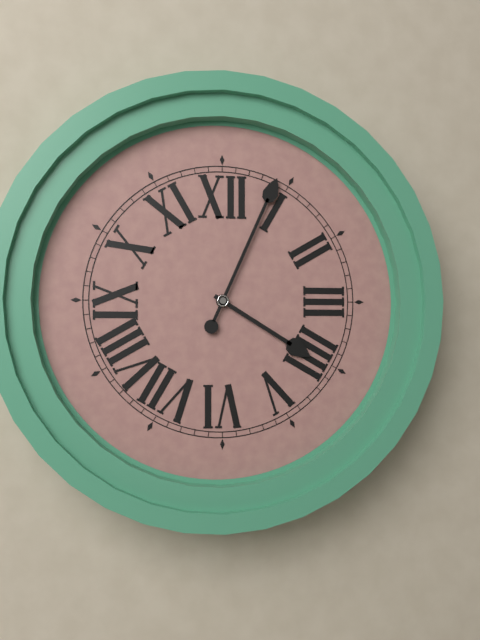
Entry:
h=4 m=4
